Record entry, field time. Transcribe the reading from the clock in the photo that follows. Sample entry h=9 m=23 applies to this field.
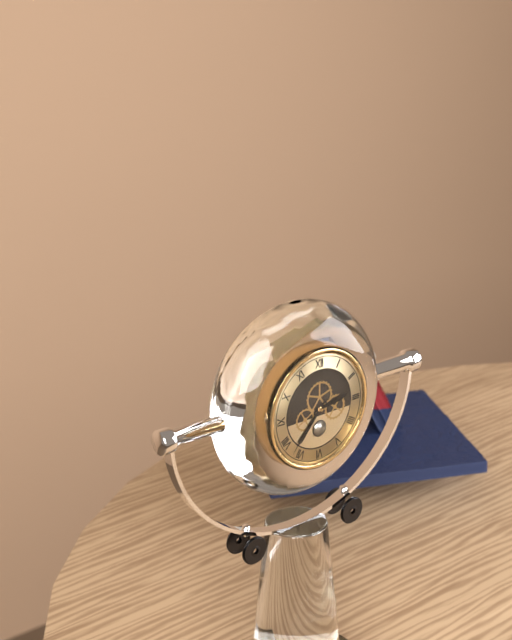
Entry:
h=2 m=37
